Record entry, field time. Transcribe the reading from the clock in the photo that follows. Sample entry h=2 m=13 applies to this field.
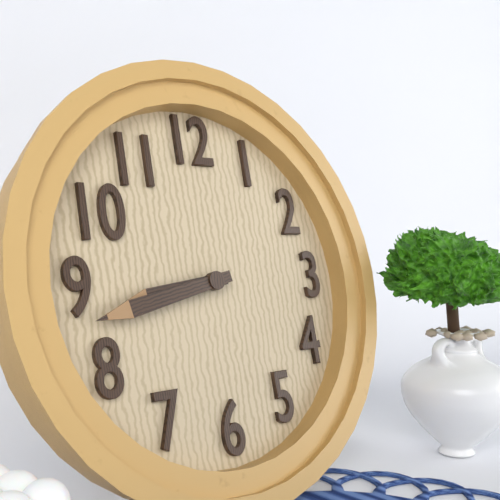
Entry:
h=8 m=43
